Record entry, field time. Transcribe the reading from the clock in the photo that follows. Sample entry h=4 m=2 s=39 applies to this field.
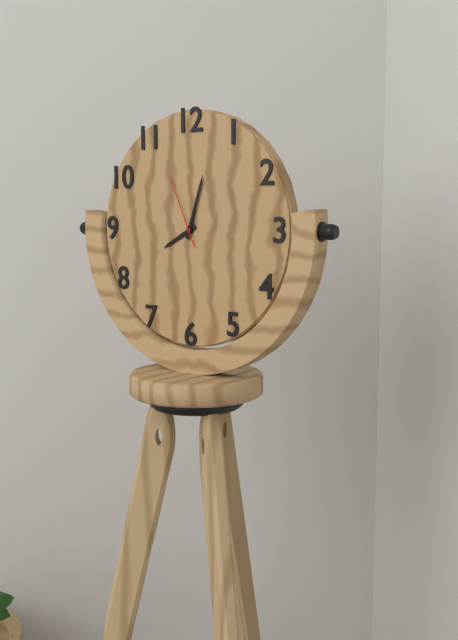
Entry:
h=8 m=3 s=56
